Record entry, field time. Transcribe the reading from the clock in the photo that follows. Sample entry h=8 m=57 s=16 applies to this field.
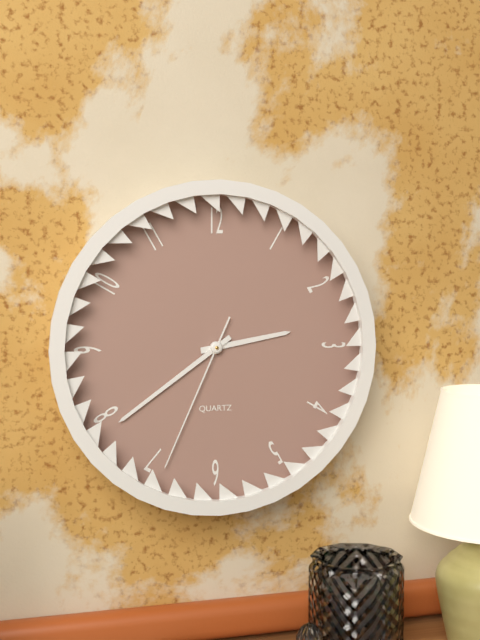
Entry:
h=2 m=39 s=34
